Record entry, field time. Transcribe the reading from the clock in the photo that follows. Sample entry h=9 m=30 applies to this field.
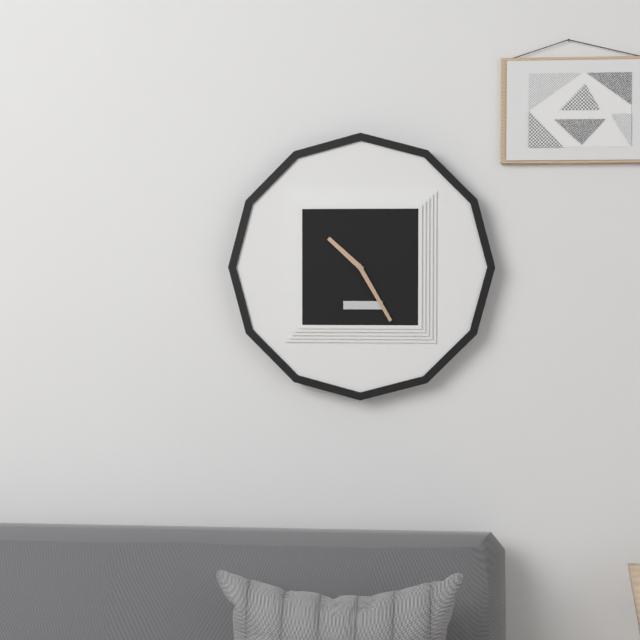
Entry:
h=10 m=25
